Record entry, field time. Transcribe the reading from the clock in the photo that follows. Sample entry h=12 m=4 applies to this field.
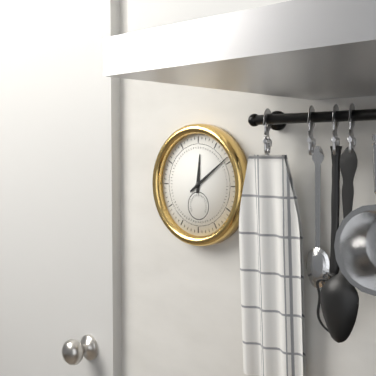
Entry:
h=12 m=9
